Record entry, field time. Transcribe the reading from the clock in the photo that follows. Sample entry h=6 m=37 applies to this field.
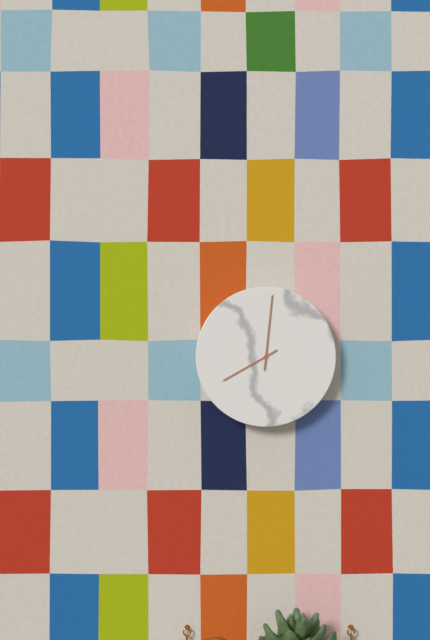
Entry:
h=8 m=1
